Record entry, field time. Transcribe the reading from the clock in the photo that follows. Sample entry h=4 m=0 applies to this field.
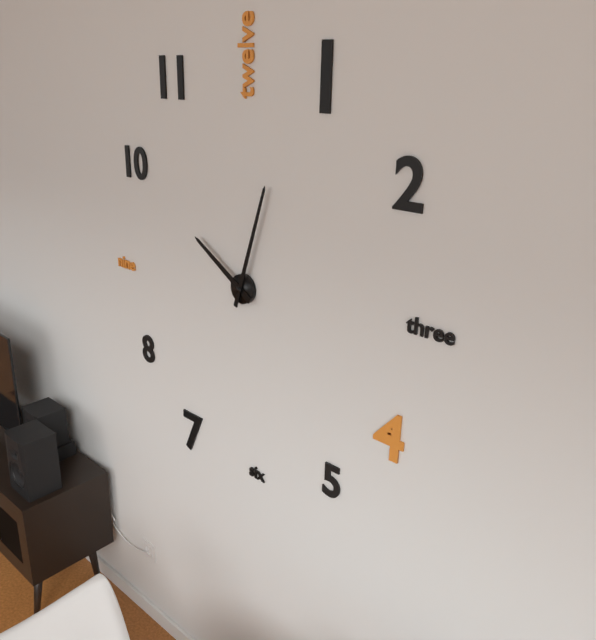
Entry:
h=10 m=3
